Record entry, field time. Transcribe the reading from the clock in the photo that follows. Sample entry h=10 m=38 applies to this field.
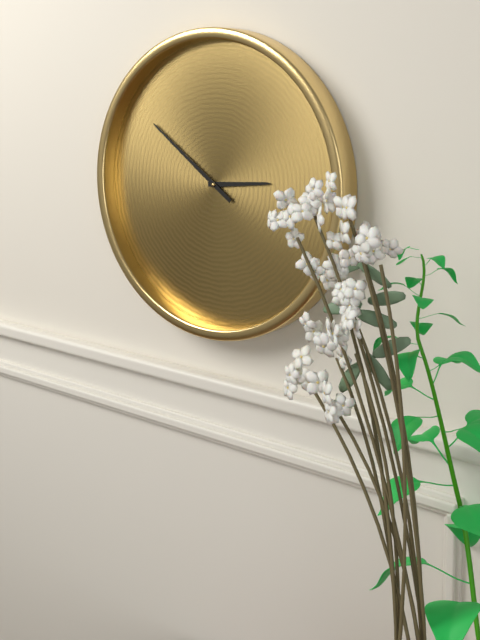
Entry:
h=2 m=51
